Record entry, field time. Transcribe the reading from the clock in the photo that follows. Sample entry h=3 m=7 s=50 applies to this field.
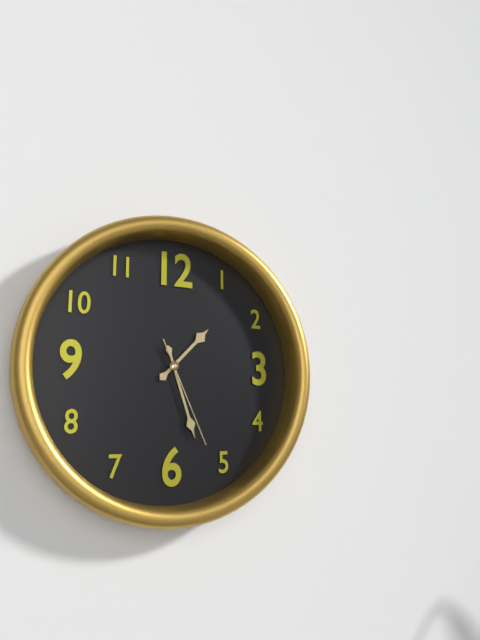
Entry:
h=1 m=27 s=26
